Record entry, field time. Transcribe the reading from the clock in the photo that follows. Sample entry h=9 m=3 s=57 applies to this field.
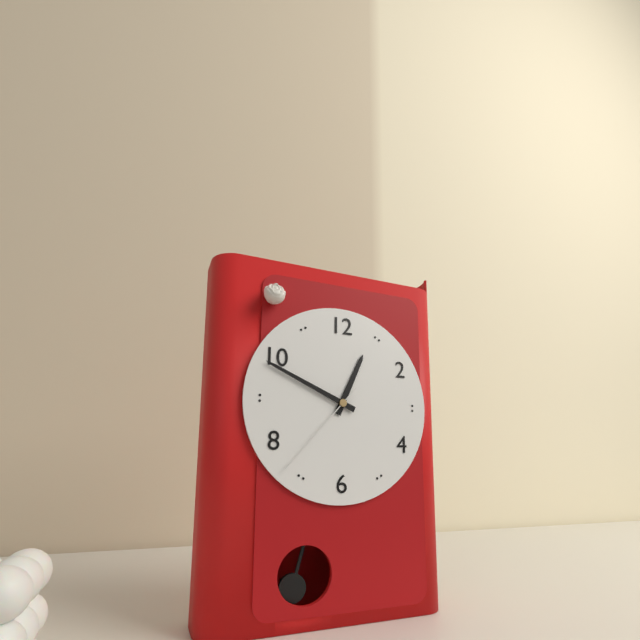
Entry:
h=12 m=49 s=37
